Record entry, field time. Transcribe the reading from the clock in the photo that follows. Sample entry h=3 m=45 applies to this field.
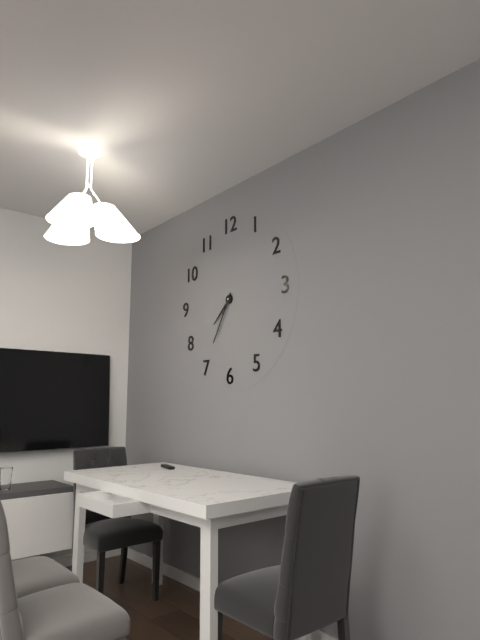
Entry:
h=7 m=35
